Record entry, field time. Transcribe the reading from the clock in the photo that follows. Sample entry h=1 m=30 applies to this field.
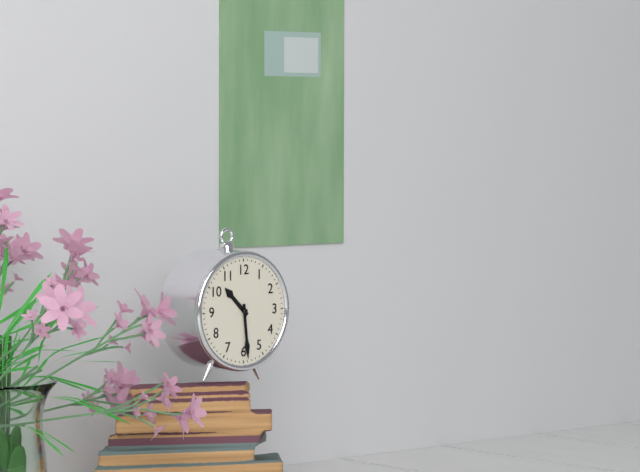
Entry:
h=10 m=29
